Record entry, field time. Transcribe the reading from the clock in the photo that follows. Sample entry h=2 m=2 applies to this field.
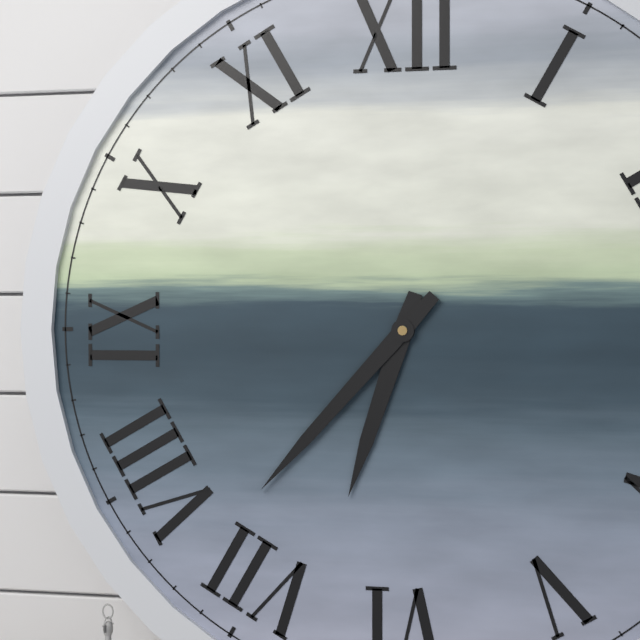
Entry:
h=6 m=37
